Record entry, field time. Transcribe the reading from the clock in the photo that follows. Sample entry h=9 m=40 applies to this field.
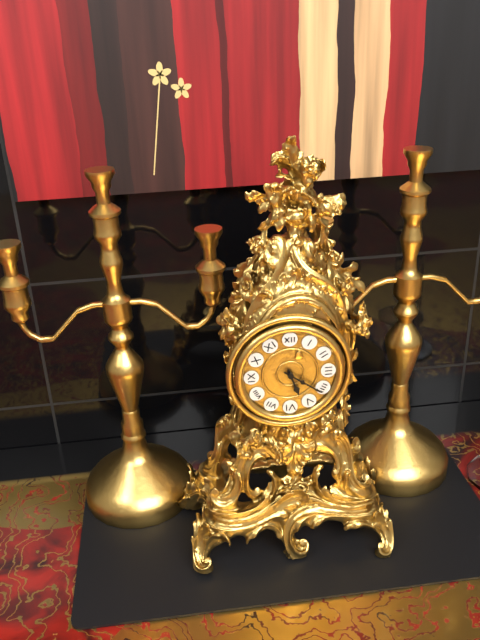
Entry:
h=5 m=21
